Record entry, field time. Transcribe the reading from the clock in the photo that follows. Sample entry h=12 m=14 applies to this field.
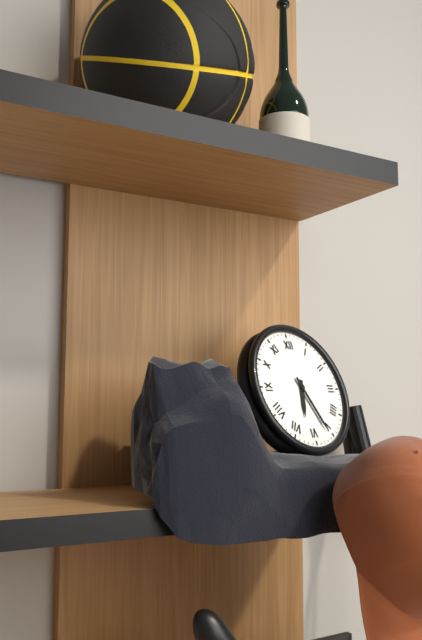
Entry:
h=6 m=26
